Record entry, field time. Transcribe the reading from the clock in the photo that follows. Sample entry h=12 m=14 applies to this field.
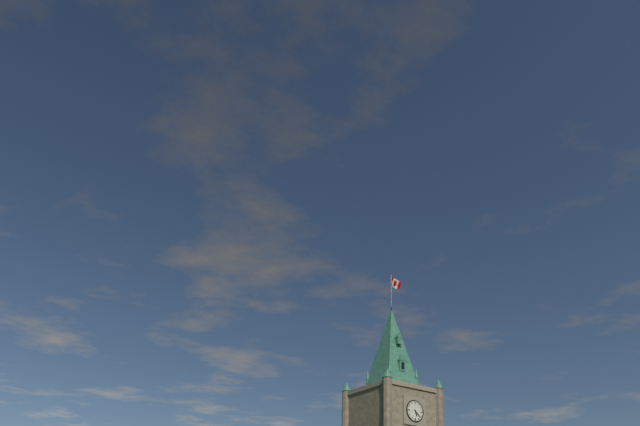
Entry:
h=5 m=22
